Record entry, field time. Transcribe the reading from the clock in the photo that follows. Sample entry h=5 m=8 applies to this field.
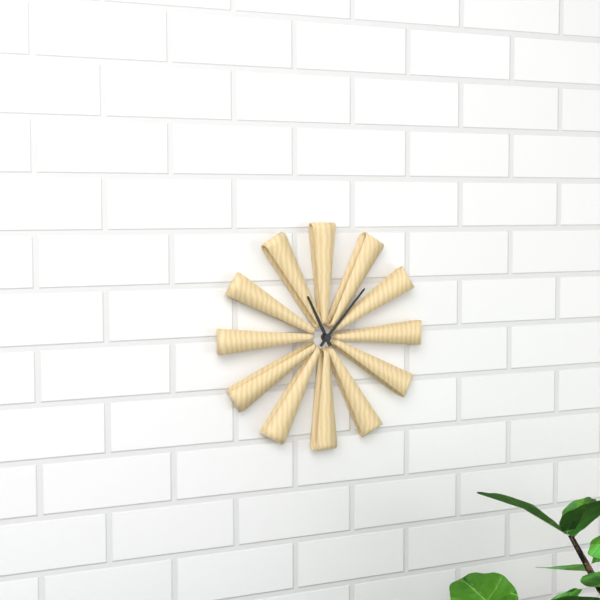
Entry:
h=11 m=7
